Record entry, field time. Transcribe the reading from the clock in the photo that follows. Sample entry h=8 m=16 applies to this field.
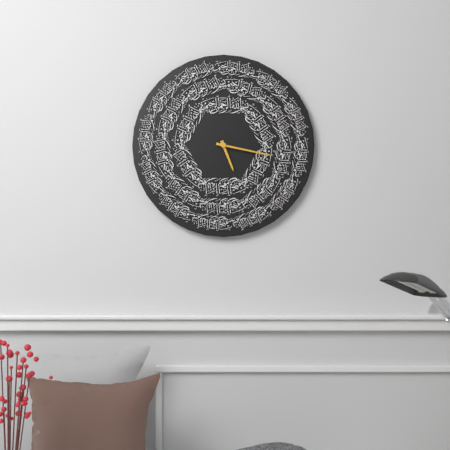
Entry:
h=5 m=17
